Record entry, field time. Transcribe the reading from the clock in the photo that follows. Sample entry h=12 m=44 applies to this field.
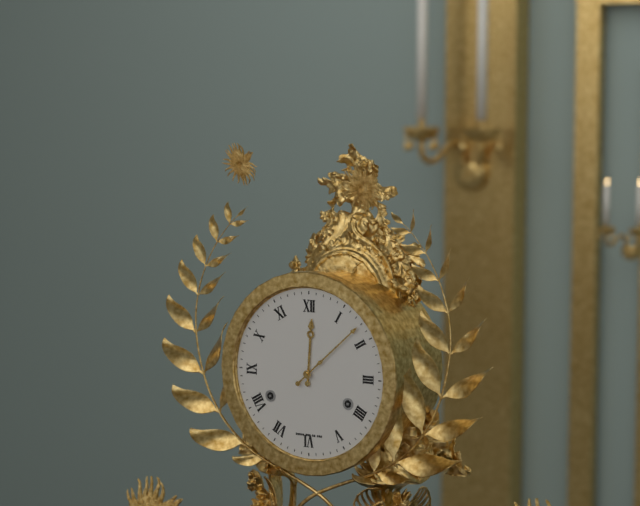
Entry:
h=12 m=8
